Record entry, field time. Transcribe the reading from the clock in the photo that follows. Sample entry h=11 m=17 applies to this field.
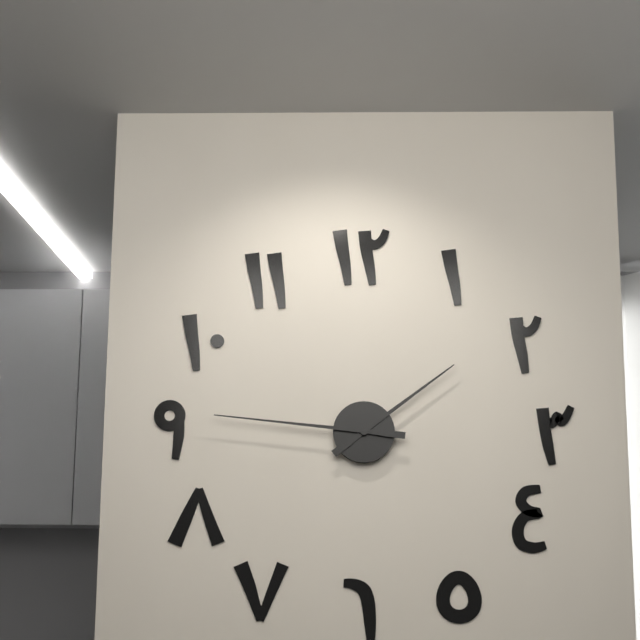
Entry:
h=1 m=46
